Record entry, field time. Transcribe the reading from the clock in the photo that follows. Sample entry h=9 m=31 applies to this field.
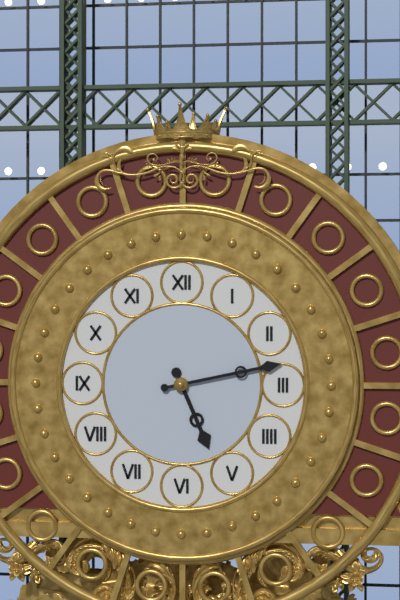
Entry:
h=5 m=13
